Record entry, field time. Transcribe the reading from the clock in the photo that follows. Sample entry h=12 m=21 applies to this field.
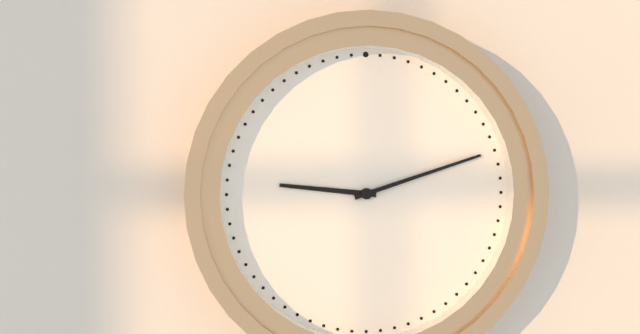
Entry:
h=9 m=12
